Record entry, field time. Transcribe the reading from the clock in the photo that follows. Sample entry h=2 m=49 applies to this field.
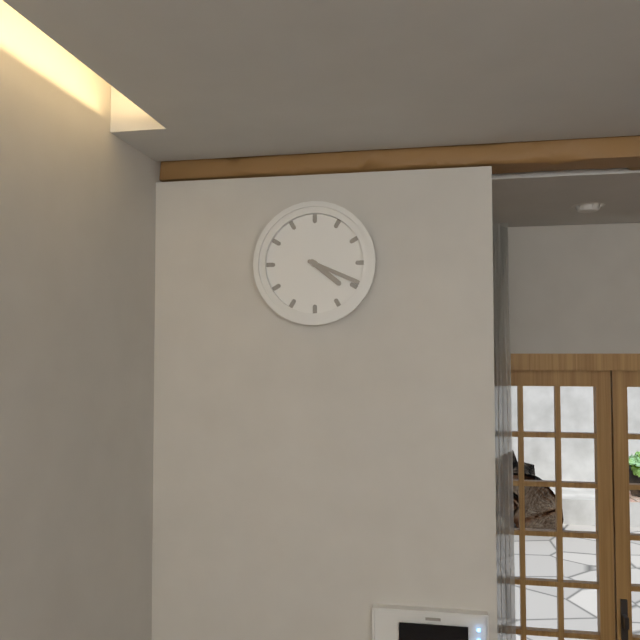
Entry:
h=4 m=19
